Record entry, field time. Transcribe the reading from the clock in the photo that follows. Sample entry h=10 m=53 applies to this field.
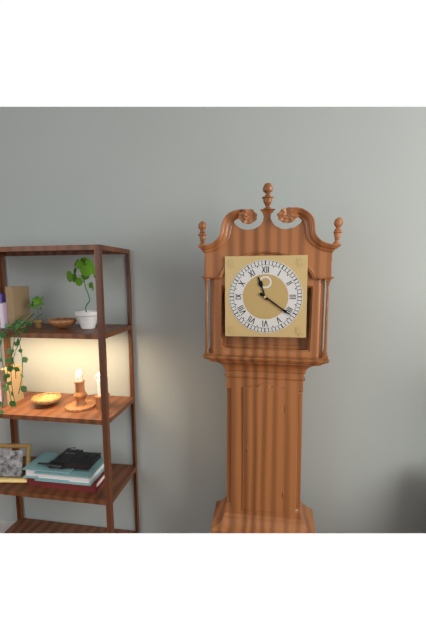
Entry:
h=11 m=21
